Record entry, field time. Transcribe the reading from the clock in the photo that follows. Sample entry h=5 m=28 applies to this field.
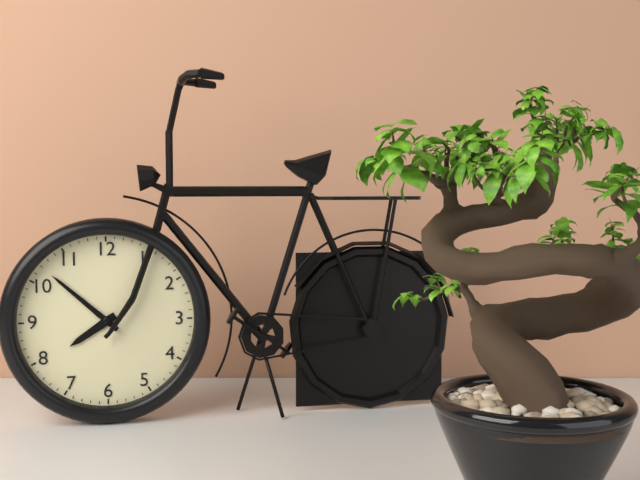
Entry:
h=7 m=52
